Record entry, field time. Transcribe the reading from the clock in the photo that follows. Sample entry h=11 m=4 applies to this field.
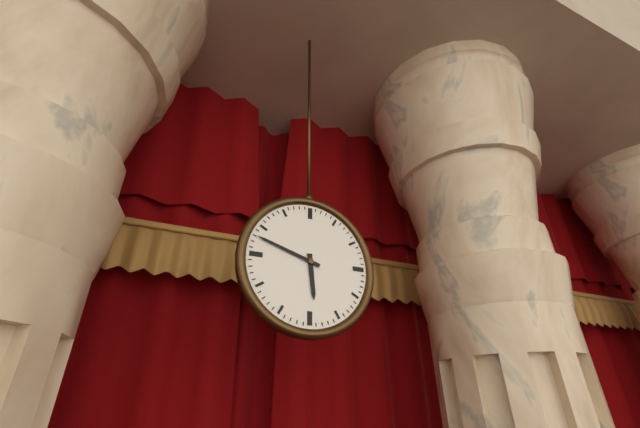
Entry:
h=5 m=48
